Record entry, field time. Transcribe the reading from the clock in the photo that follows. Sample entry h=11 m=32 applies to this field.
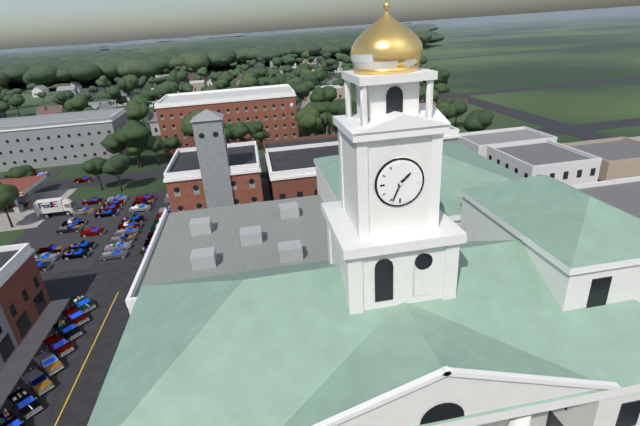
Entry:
h=1 m=34
